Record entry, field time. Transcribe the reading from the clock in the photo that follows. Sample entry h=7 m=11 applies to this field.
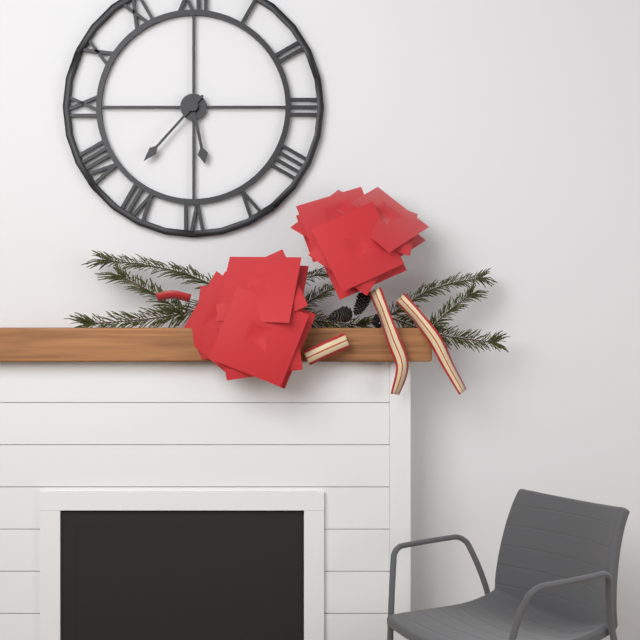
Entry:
h=5 m=37
